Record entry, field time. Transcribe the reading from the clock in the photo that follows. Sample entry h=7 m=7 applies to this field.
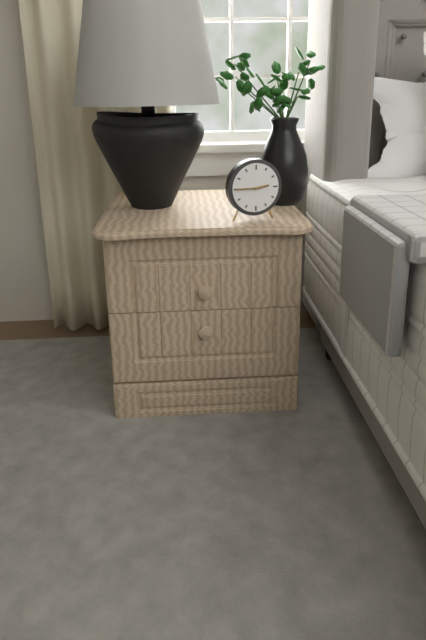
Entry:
h=2 m=45
